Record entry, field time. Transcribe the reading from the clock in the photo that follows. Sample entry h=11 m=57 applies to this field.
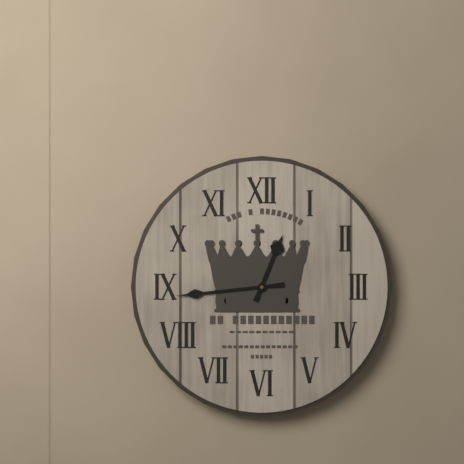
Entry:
h=12 m=44
